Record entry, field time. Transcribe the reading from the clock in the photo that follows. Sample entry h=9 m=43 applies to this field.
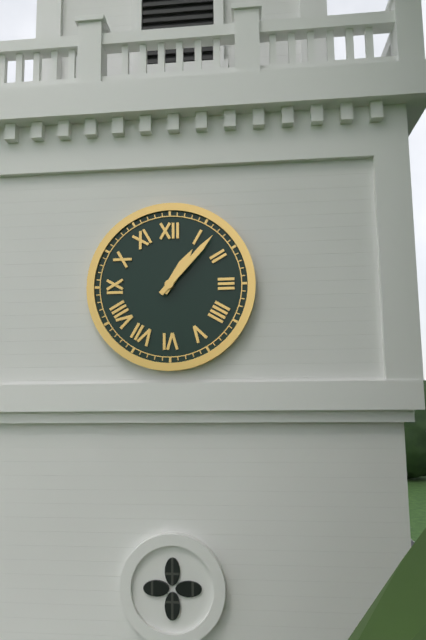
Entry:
h=1 m=7
